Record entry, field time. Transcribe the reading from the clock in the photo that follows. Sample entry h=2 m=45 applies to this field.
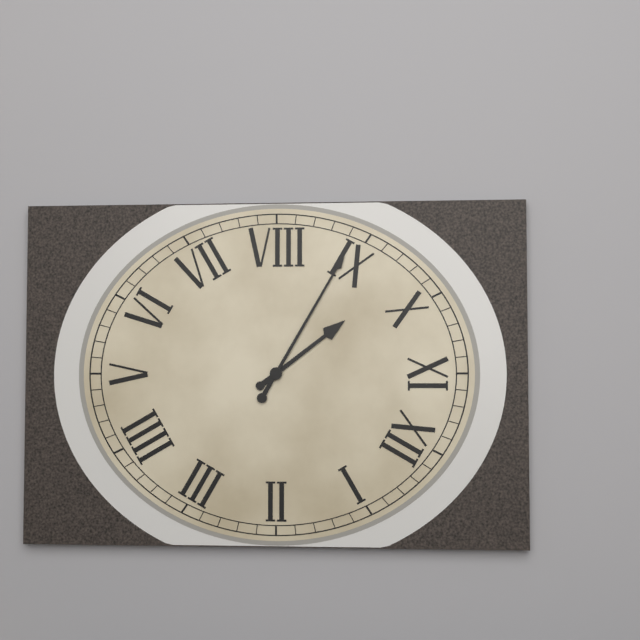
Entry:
h=9 m=45
